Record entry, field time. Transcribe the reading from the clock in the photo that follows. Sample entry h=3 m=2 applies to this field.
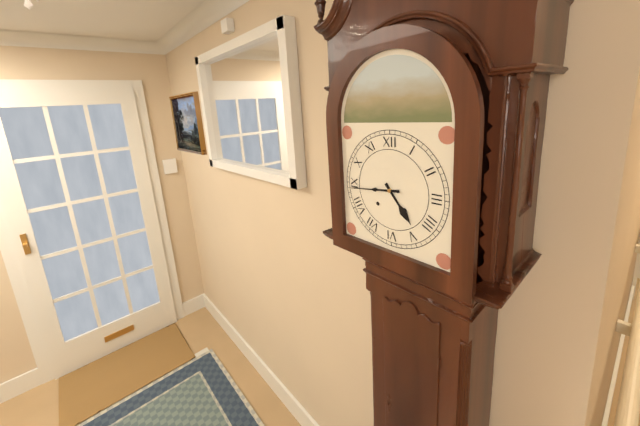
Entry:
h=4 m=44
